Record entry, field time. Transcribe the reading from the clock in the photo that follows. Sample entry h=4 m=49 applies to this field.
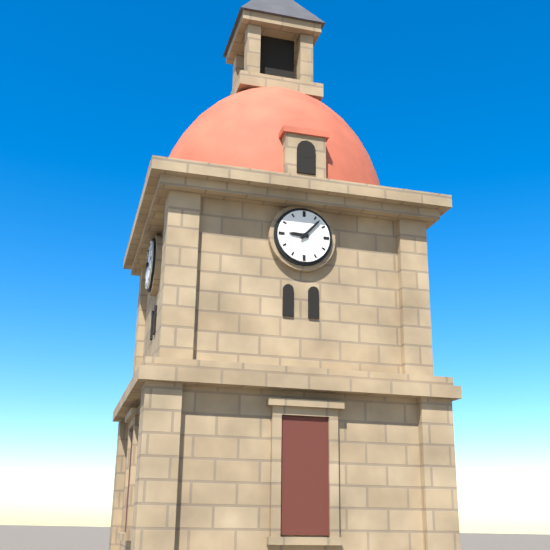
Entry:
h=9 m=7
